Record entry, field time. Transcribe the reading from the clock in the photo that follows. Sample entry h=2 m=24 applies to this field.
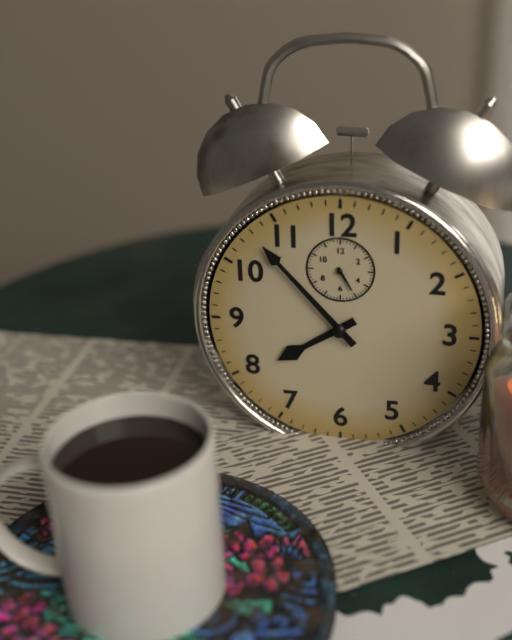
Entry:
h=7 m=53
